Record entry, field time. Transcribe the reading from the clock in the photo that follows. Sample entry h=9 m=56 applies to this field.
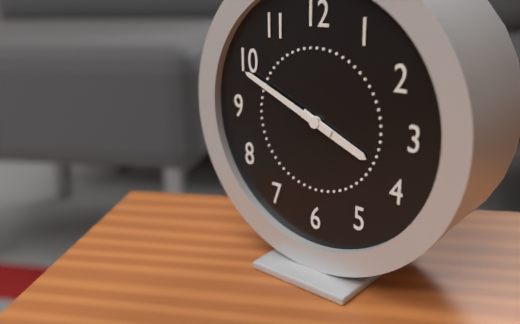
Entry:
h=3 m=49
